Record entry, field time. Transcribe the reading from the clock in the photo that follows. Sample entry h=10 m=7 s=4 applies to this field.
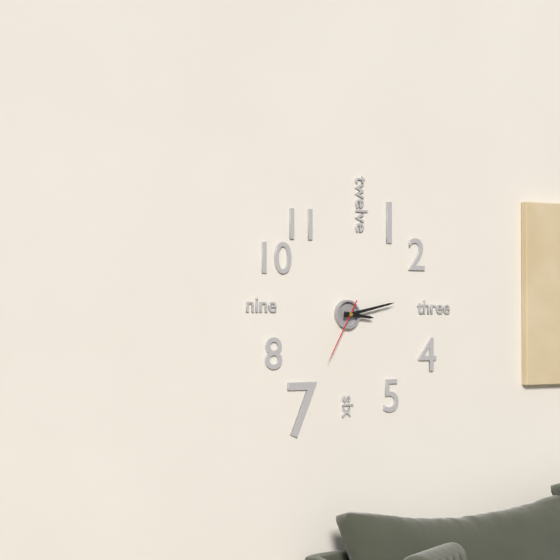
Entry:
h=3 m=13 s=35
